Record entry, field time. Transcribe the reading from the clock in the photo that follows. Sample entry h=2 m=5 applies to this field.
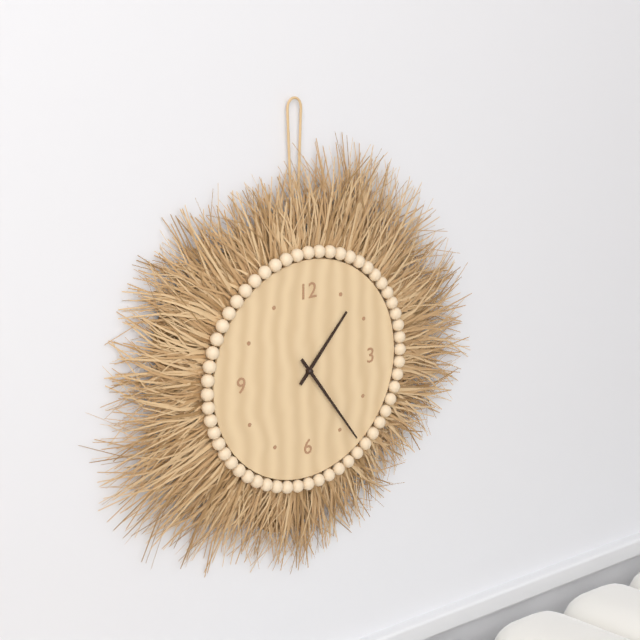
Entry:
h=1 m=24
